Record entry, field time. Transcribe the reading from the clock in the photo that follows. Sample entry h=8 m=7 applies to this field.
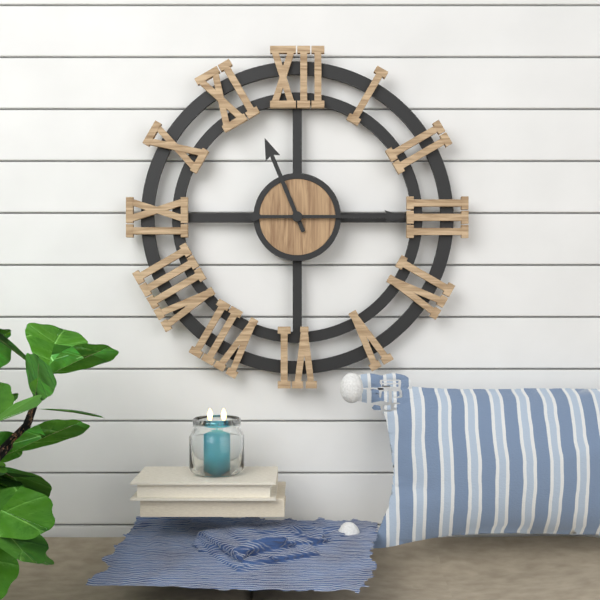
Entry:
h=11 m=15
